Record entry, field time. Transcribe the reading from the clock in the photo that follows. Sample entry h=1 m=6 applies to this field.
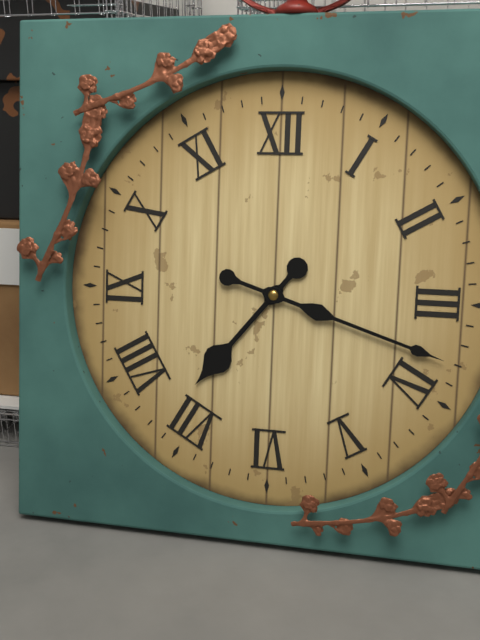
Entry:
h=7 m=18
